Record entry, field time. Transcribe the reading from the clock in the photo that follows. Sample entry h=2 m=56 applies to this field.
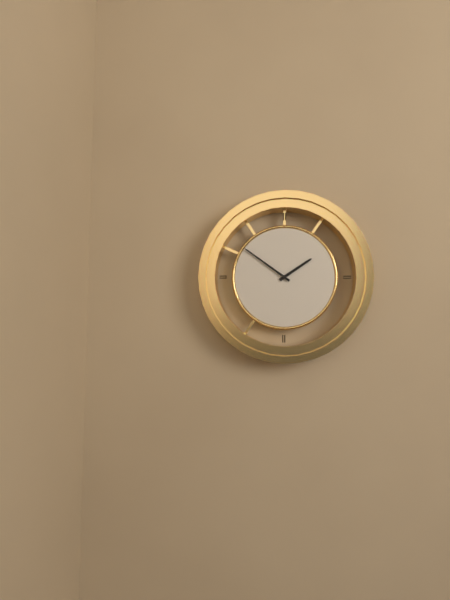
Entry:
h=1 m=51
